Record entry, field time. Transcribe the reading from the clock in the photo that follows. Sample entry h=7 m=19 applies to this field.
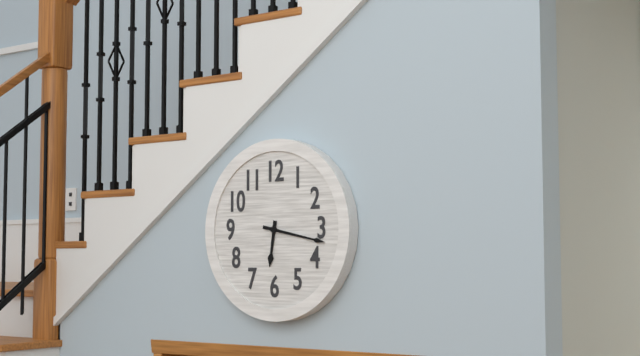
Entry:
h=6 m=17
